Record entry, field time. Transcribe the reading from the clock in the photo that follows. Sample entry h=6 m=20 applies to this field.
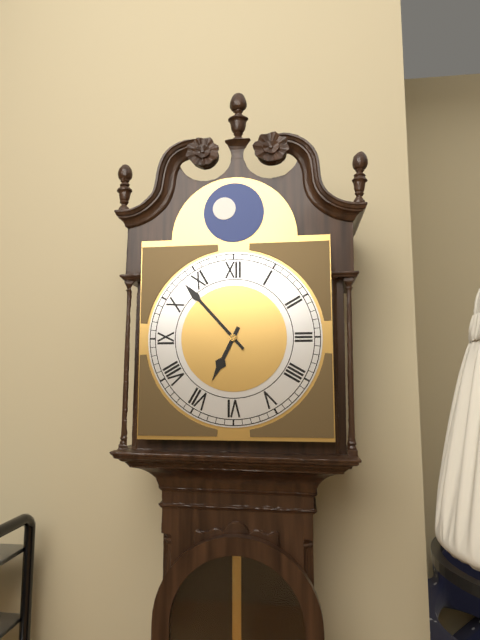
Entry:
h=6 m=53
